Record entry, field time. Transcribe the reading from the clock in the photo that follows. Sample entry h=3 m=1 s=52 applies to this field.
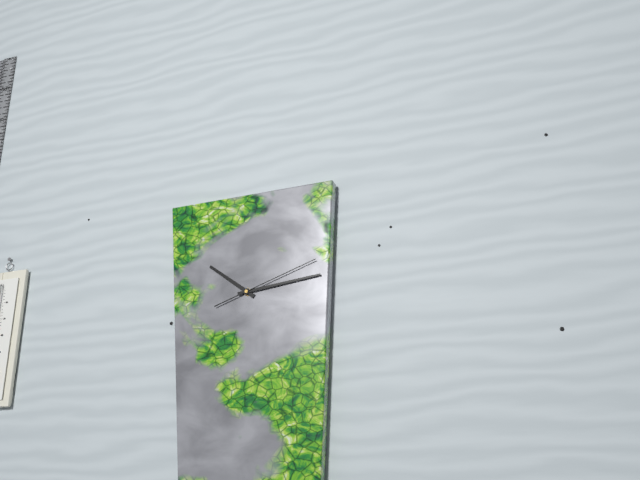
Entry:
h=10 m=14 s=12
